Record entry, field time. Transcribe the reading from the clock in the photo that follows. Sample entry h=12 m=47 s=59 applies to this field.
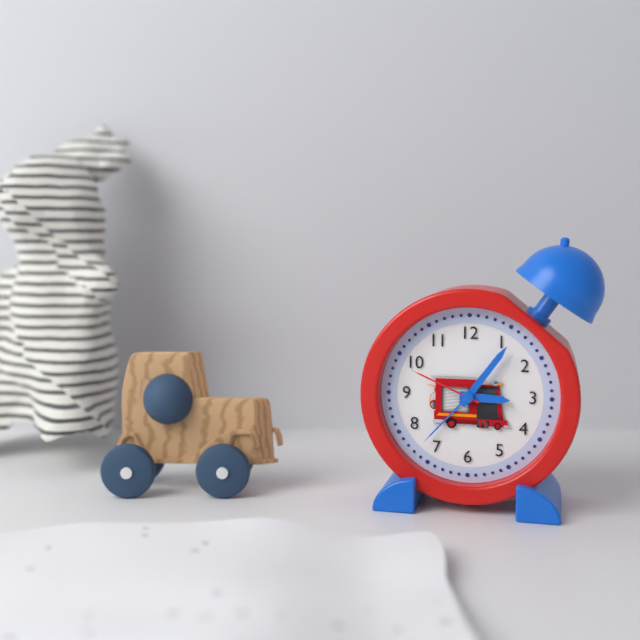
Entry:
h=3 m=6 s=49
